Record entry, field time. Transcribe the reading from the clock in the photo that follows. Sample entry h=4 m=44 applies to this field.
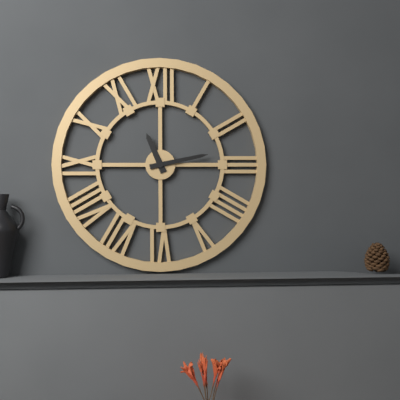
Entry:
h=11 m=13
